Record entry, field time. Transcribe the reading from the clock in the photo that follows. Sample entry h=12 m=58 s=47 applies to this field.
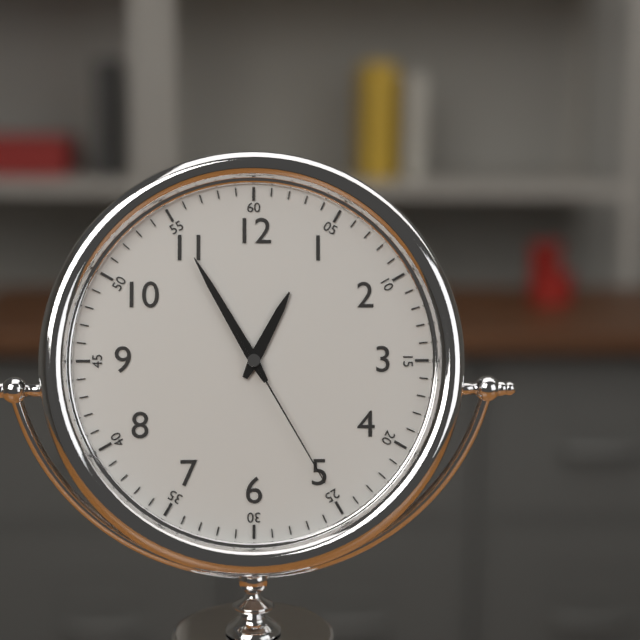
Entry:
h=12 m=55 s=25
